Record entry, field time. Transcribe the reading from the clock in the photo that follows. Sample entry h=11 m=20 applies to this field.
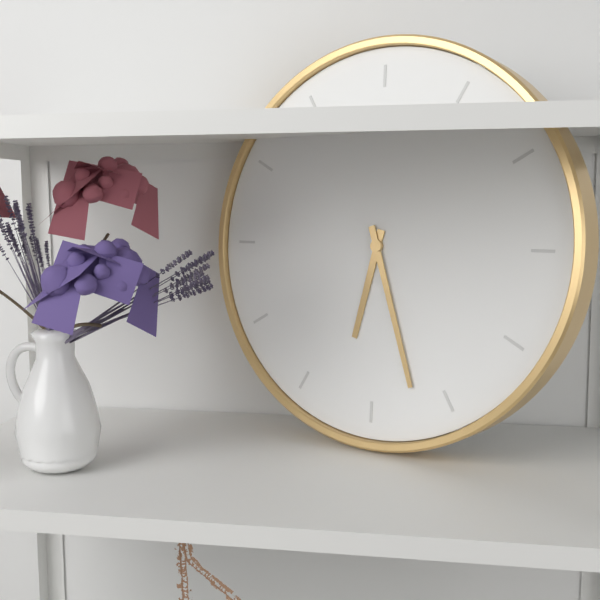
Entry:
h=6 m=27
